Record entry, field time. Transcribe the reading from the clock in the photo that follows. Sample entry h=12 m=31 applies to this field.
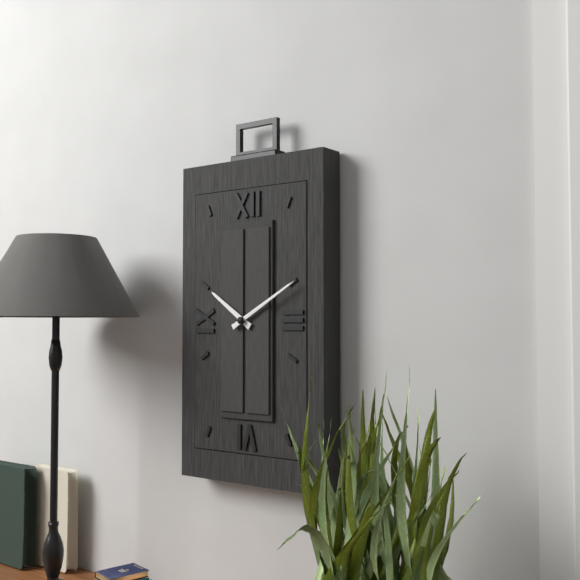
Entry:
h=10 m=10
